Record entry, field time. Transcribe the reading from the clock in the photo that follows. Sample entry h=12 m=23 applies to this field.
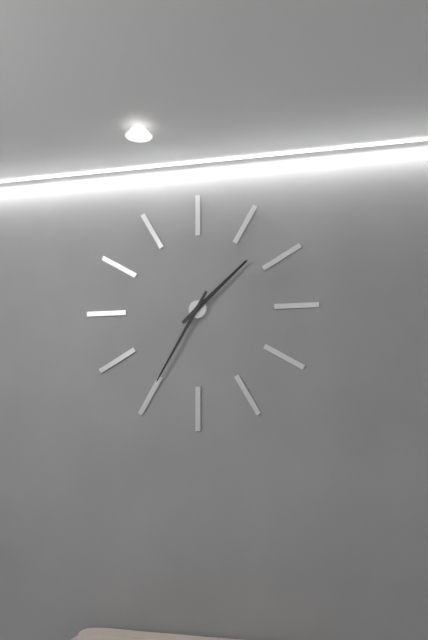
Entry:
h=1 m=35
